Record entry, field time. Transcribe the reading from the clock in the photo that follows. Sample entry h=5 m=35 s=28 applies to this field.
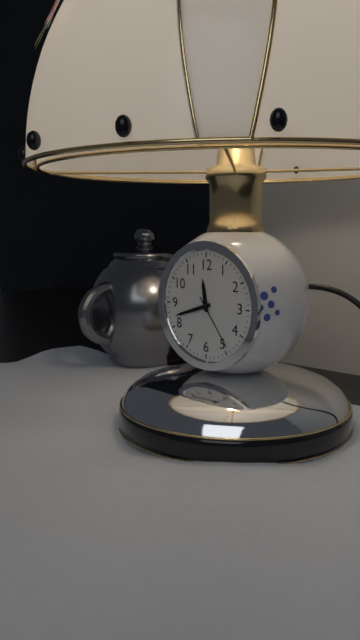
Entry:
h=11 m=42 s=24
